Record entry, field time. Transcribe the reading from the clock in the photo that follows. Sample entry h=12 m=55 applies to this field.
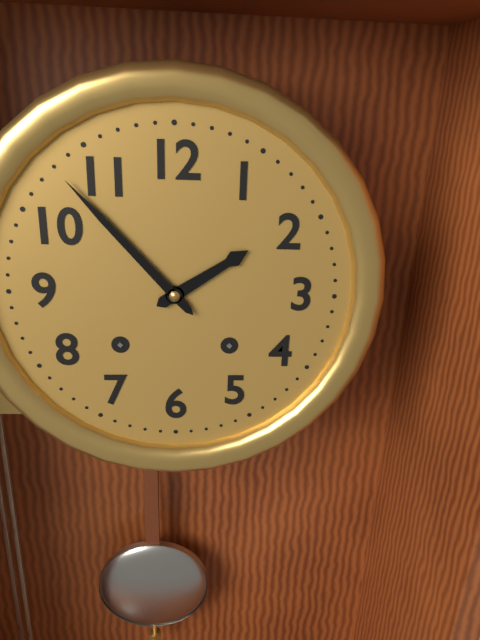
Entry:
h=1 m=53
